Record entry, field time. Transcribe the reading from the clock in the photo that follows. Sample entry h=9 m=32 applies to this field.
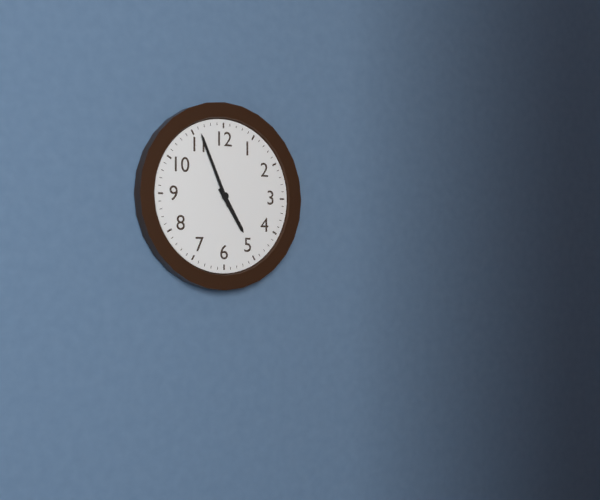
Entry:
h=4 m=56
